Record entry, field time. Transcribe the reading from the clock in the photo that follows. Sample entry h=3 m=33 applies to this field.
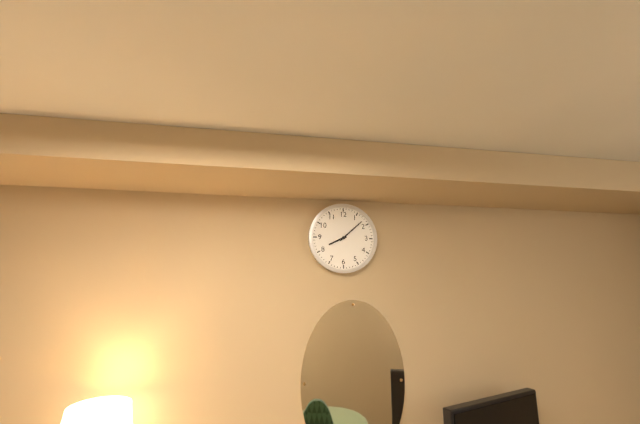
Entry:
h=8 m=8
